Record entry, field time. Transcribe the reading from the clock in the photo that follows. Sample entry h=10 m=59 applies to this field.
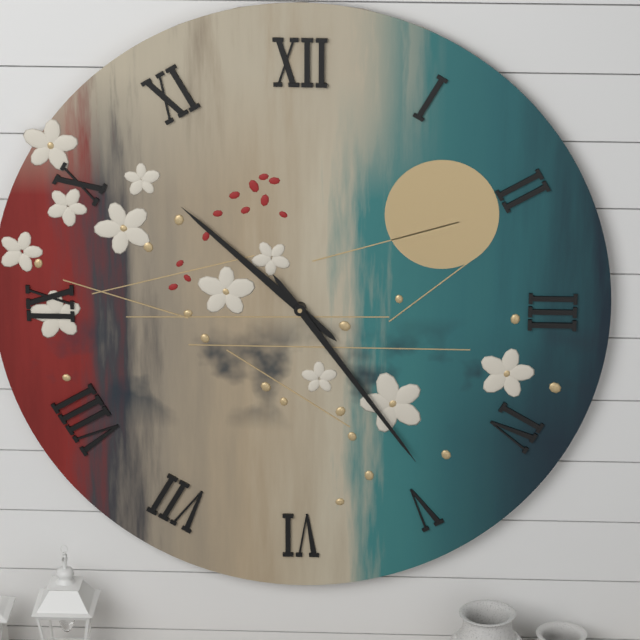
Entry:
h=10 m=24
